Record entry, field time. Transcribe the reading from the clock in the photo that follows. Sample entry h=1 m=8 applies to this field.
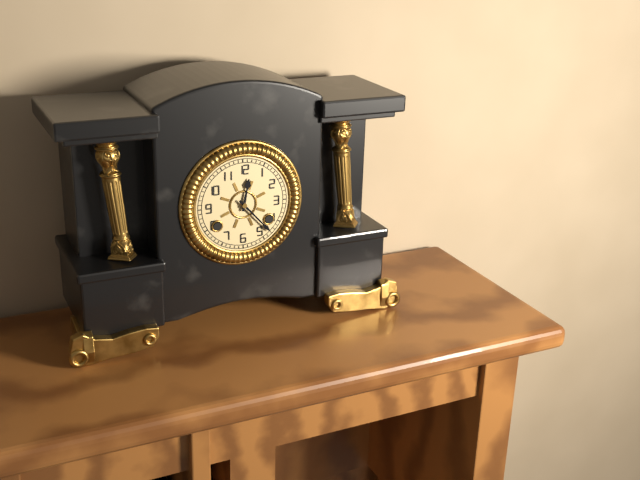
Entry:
h=12 m=23
